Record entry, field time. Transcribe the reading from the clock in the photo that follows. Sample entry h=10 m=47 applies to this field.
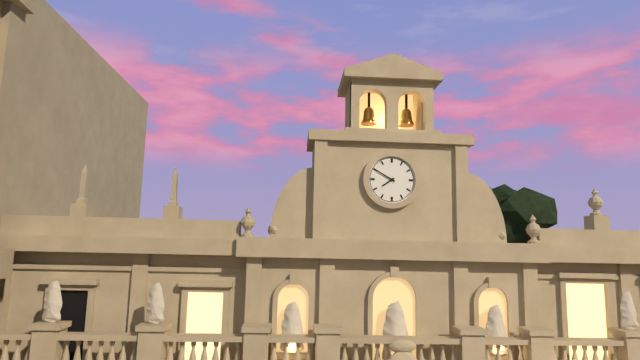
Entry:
h=7 m=50
